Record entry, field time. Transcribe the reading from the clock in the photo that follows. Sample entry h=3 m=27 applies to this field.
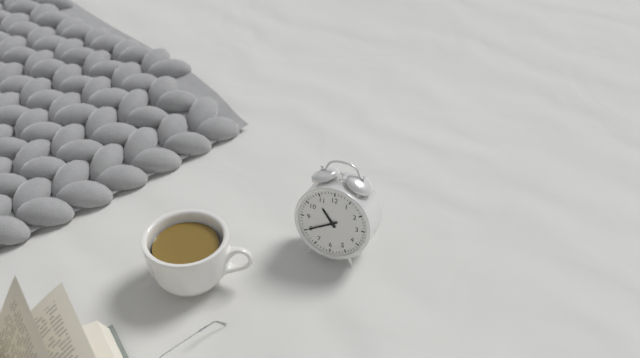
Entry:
h=10 m=40
